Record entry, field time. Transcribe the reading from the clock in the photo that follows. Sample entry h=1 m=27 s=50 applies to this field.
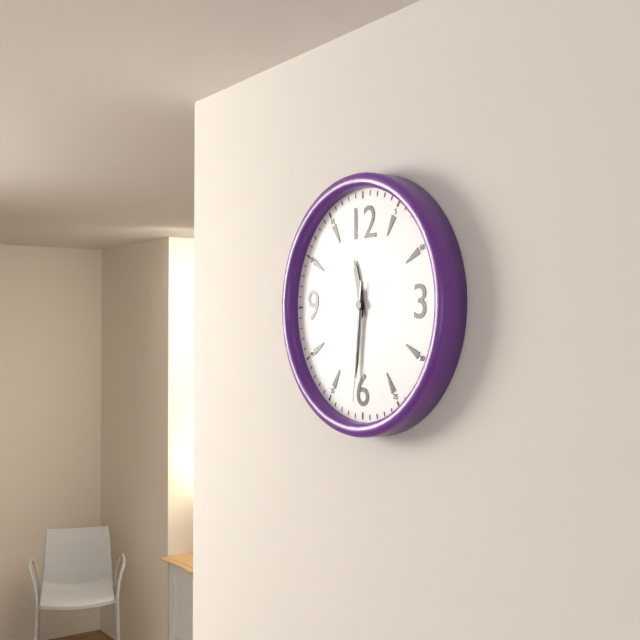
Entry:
h=11 m=31 s=31
